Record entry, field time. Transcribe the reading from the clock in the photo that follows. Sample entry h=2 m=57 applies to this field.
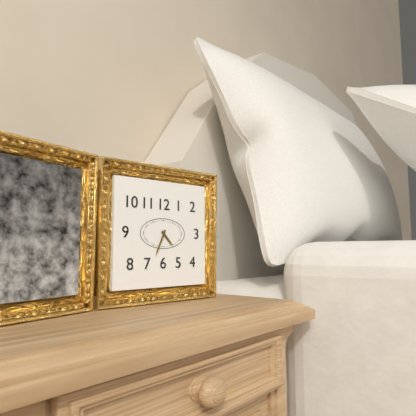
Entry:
h=4 m=34
